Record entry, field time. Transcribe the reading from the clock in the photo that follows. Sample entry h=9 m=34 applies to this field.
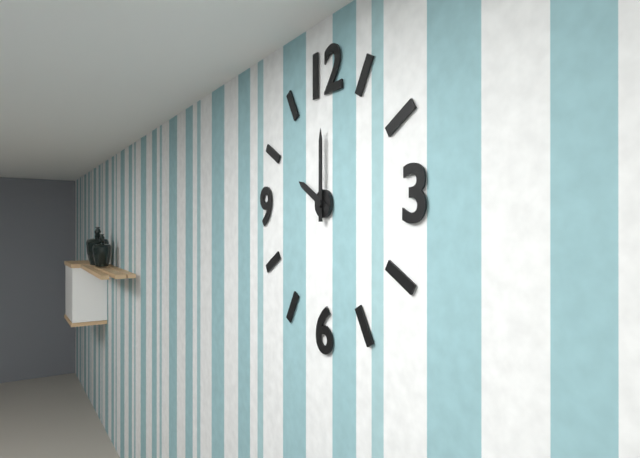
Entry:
h=10 m=0
